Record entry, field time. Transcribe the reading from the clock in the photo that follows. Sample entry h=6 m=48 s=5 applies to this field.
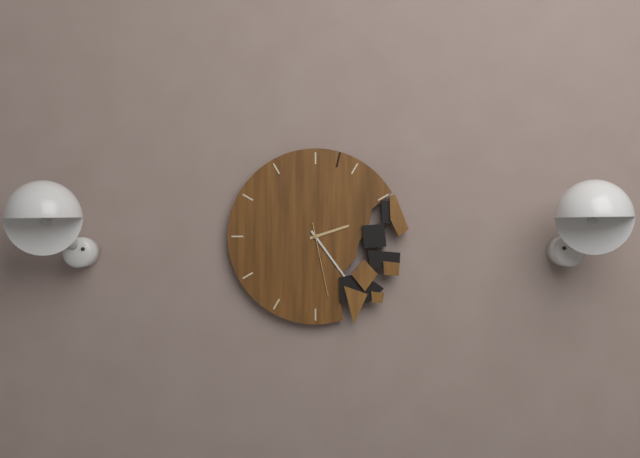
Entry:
h=2 m=24 s=28
